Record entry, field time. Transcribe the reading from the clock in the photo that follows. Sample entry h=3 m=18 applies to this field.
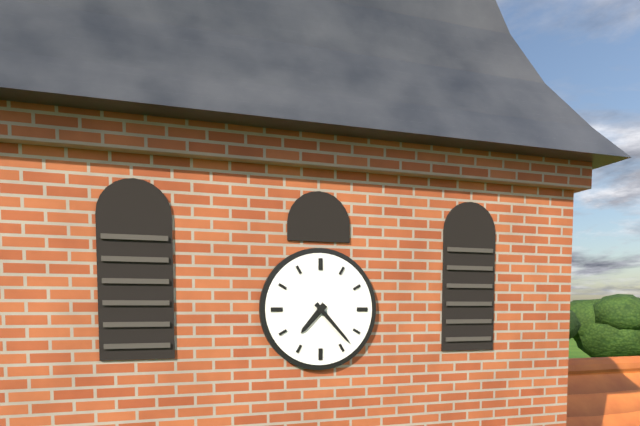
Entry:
h=7 m=23
